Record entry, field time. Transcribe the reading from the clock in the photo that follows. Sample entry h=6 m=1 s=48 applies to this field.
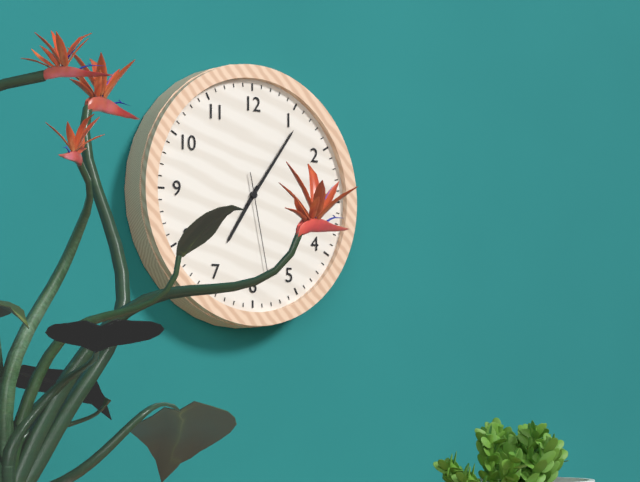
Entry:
h=7 m=6 s=28
